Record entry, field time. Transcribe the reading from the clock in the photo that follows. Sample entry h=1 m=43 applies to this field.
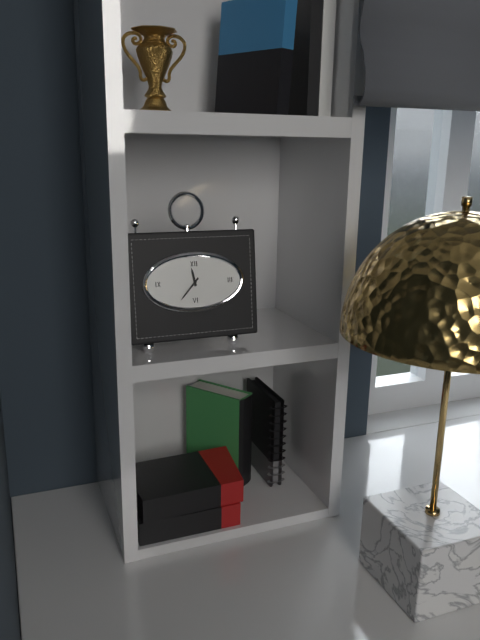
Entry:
h=11 m=37
